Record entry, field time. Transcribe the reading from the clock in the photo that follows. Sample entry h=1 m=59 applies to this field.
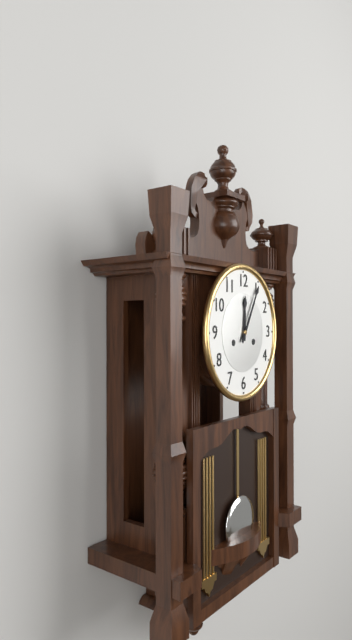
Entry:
h=12 m=5
